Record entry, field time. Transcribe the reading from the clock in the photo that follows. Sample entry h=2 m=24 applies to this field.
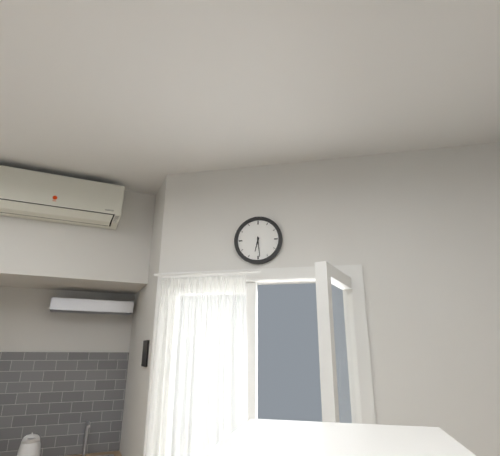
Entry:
h=6 m=29
